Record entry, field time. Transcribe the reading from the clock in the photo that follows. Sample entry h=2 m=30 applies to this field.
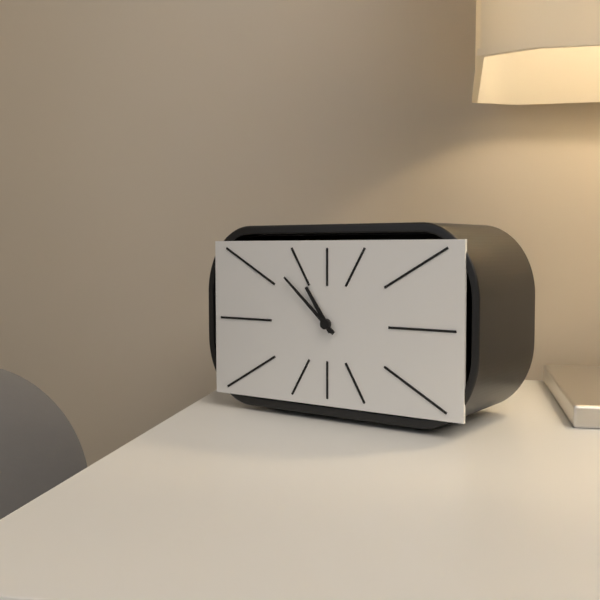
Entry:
h=10 m=52
